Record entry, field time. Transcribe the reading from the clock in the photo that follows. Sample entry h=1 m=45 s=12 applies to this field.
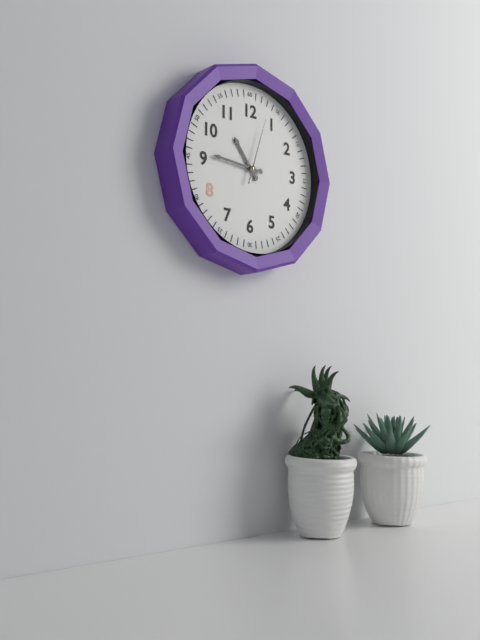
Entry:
h=10 m=46 s=3
